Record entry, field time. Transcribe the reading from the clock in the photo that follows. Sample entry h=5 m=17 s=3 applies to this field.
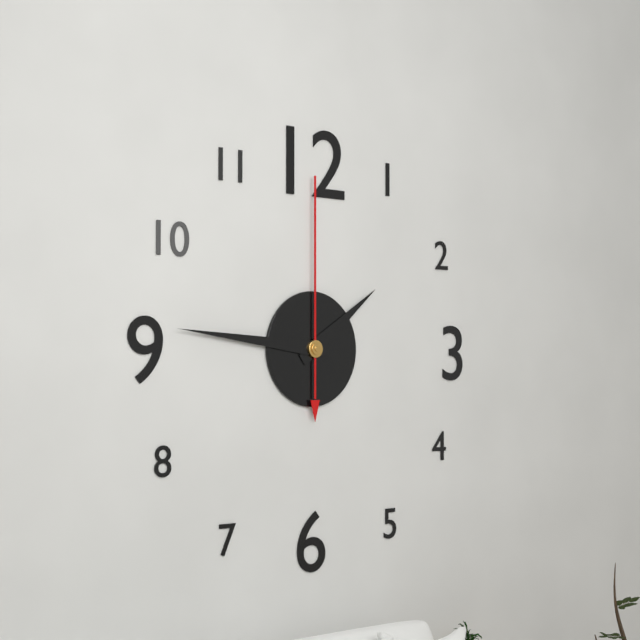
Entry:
h=1 m=46 s=0
